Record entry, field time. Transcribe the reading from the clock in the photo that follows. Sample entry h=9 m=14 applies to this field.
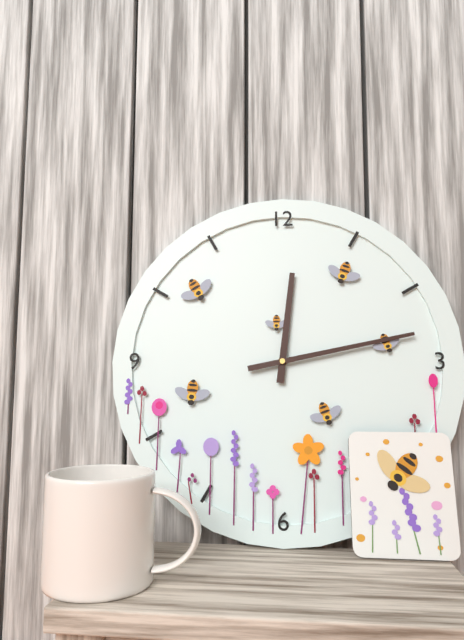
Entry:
h=12 m=13
